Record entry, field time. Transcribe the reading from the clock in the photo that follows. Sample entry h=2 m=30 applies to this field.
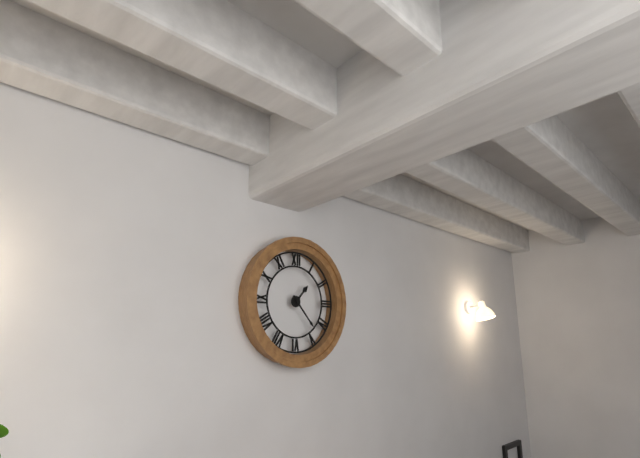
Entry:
h=1 m=23
